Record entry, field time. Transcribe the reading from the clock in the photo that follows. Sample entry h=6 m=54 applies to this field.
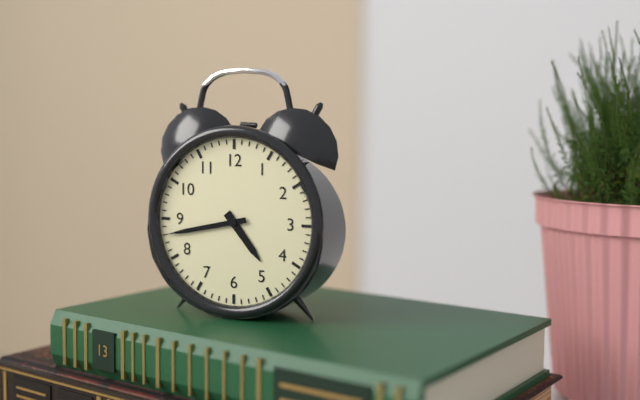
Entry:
h=4 m=43
